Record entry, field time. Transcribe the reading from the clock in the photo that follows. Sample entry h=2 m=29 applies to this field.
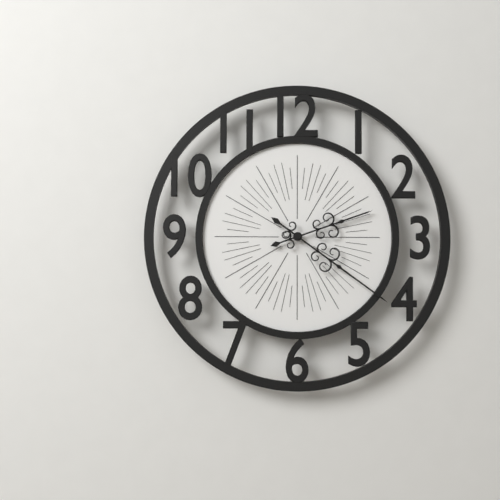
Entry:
h=2 m=21
